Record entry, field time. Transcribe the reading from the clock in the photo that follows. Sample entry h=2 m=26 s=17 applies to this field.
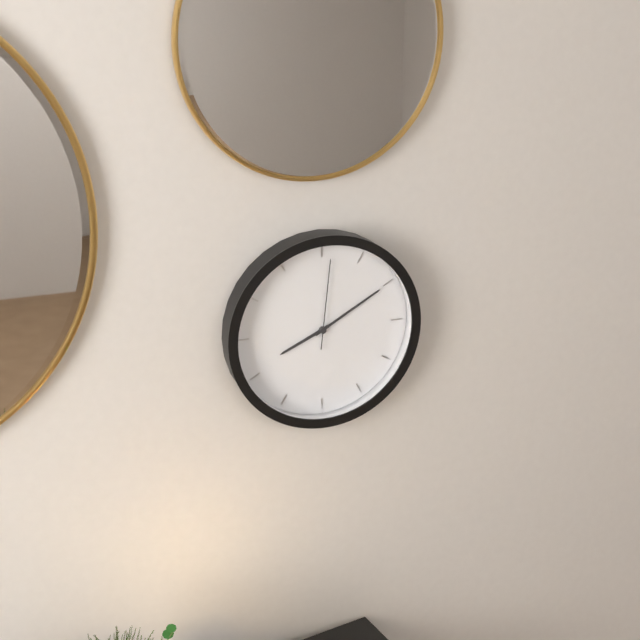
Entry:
h=8 m=10 s=1
